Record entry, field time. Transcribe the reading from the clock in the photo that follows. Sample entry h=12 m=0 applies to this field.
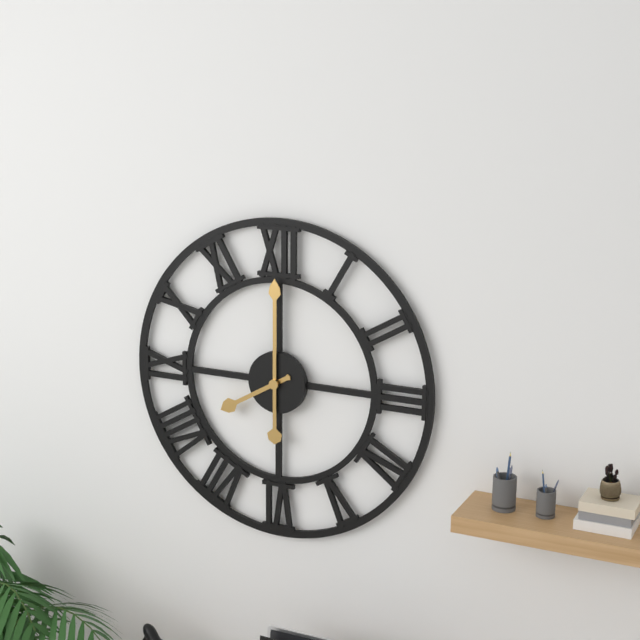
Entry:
h=8 m=0
